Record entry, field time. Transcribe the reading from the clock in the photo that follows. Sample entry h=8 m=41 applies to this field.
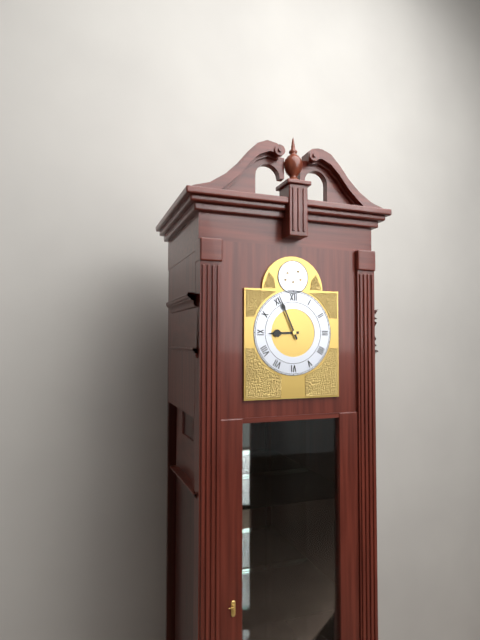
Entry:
h=8 m=56
